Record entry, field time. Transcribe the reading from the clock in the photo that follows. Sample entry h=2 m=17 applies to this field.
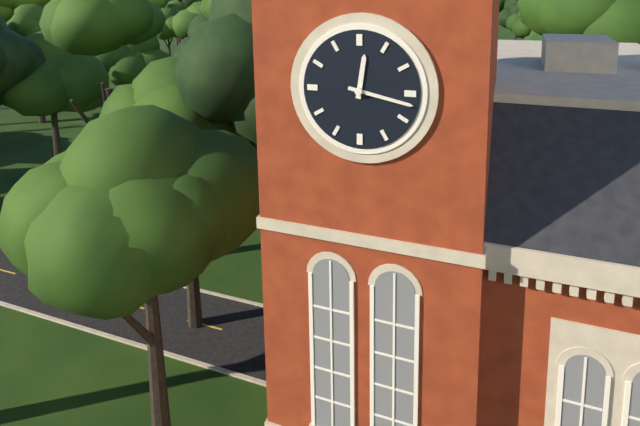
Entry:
h=12 m=17
